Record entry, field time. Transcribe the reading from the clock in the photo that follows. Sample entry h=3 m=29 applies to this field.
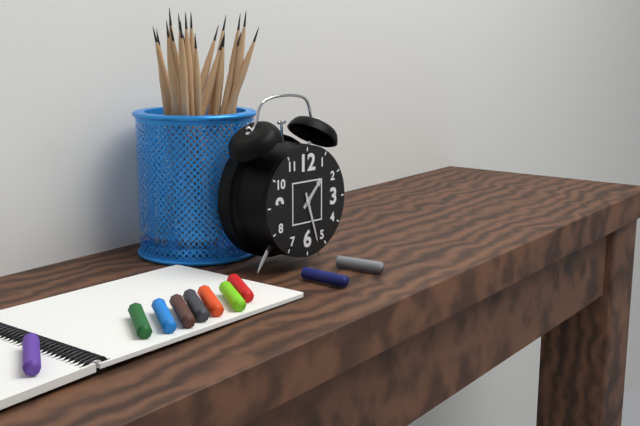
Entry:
h=1 m=27
